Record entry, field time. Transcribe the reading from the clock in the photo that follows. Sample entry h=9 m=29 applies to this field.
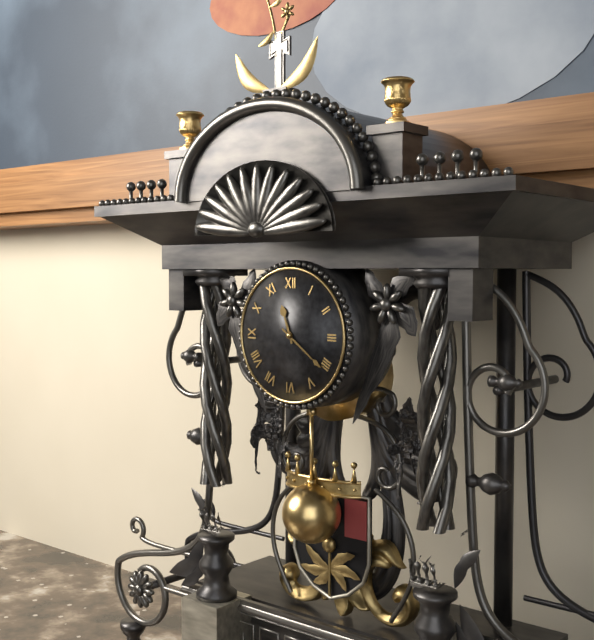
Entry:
h=11 m=21
